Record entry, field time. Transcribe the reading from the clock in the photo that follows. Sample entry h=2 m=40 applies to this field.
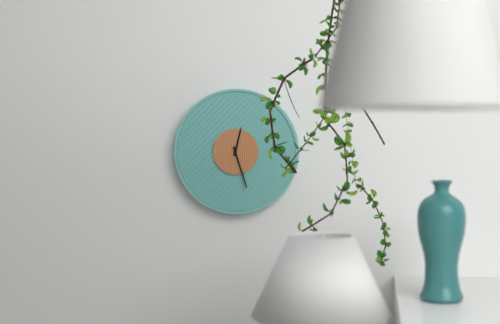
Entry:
h=12 m=27
